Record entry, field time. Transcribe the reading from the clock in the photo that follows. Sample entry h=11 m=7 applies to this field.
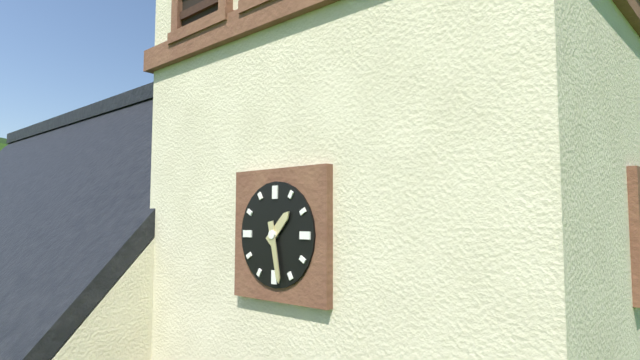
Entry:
h=1 m=28
